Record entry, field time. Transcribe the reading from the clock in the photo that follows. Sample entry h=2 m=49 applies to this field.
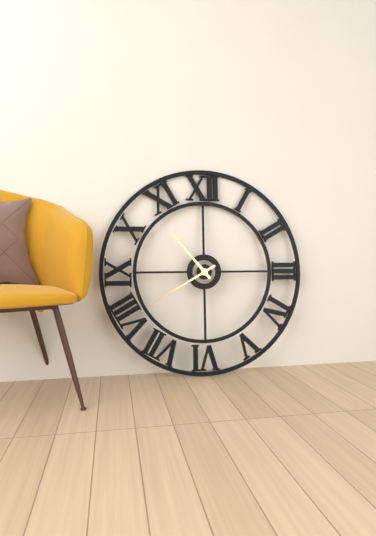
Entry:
h=10 m=40
